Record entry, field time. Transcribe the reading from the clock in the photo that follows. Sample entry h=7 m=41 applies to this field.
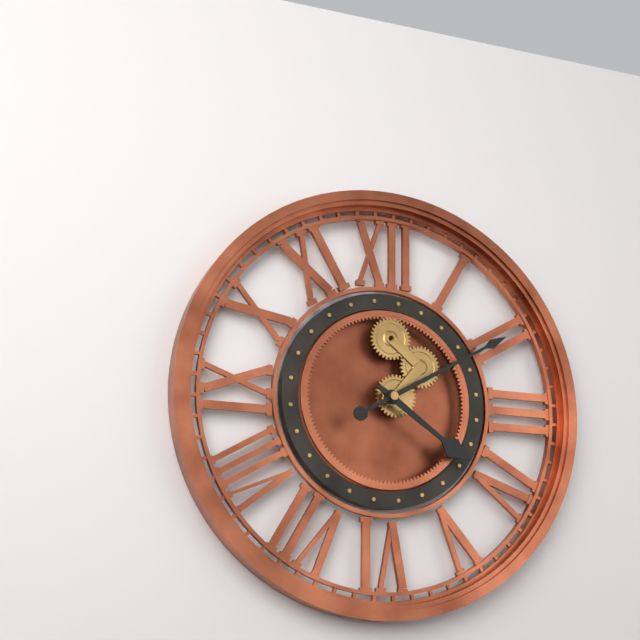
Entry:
h=4 m=10
